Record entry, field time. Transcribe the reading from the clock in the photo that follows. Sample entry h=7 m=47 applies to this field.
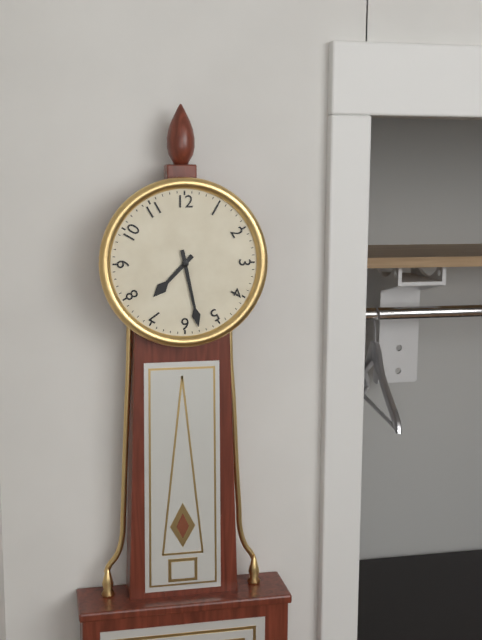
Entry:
h=7 m=28
